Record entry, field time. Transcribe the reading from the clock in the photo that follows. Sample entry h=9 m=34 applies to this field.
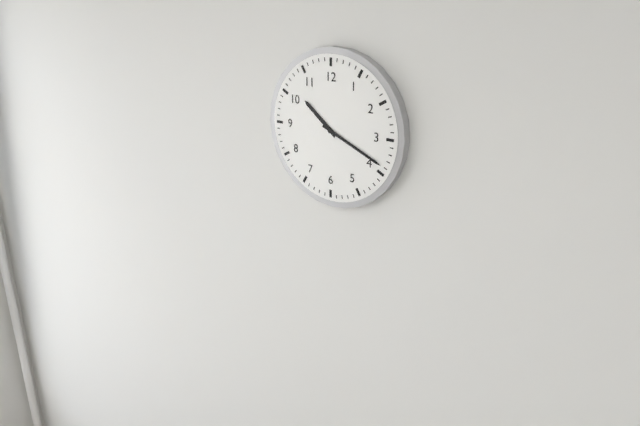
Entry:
h=10 m=19
